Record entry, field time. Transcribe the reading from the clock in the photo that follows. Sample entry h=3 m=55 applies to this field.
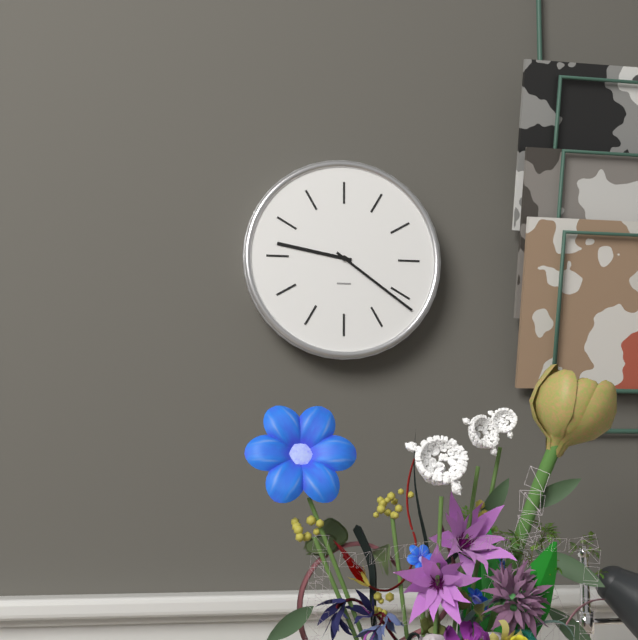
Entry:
h=9 m=21
